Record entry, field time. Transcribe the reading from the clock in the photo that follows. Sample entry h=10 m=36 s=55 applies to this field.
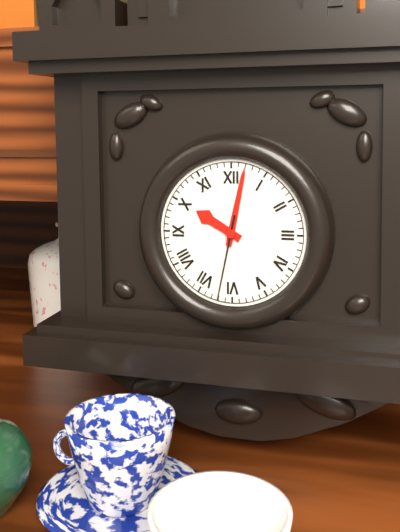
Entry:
h=10 m=2 s=32
